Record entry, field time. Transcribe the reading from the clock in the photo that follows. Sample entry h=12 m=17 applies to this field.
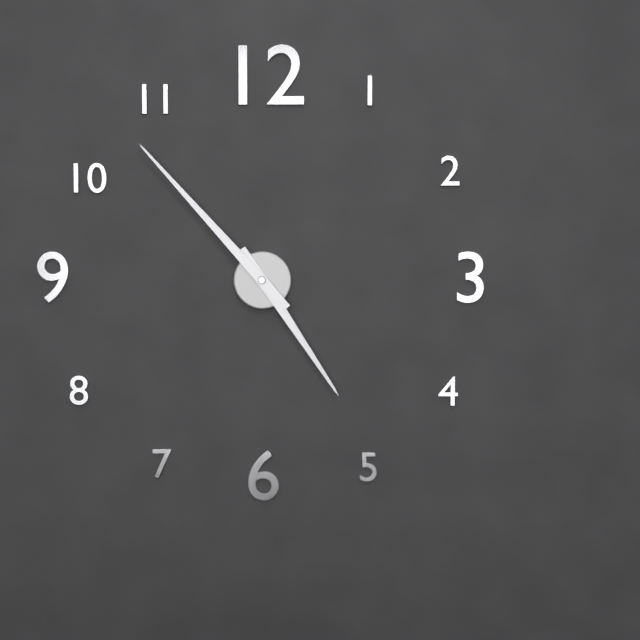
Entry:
h=4 m=53
